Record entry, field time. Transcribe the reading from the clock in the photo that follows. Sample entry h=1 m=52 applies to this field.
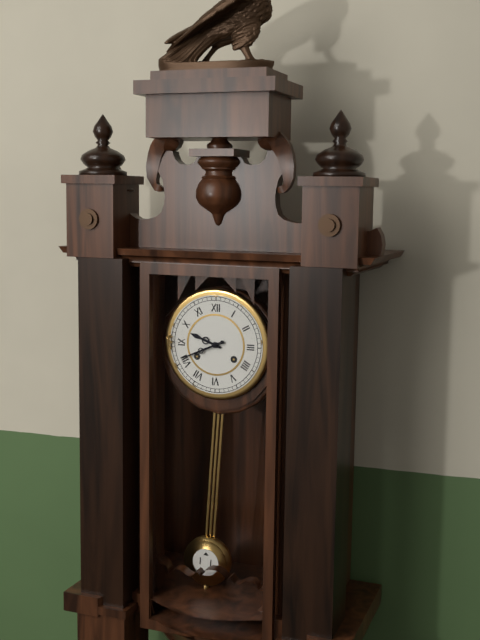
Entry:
h=9 m=41
